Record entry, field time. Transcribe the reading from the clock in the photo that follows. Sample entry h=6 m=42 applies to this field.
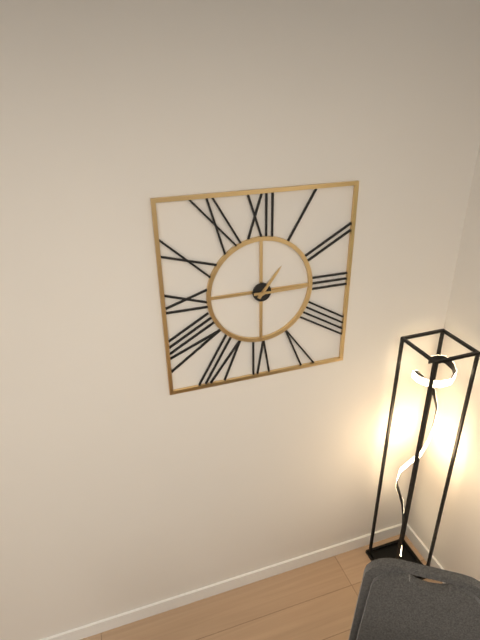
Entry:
h=1 m=15
